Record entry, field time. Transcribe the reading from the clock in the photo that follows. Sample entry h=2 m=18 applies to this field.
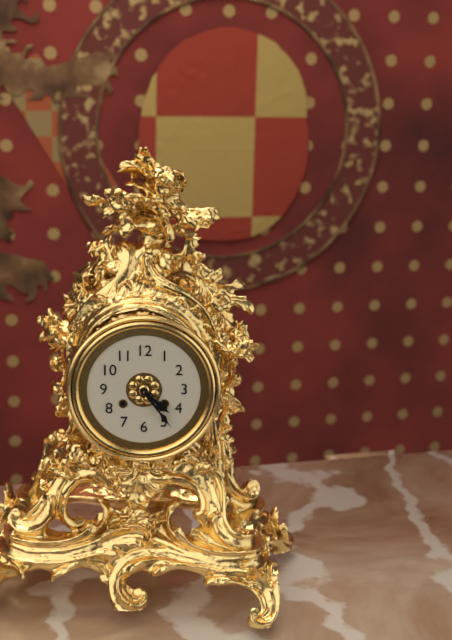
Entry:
h=4 m=24
